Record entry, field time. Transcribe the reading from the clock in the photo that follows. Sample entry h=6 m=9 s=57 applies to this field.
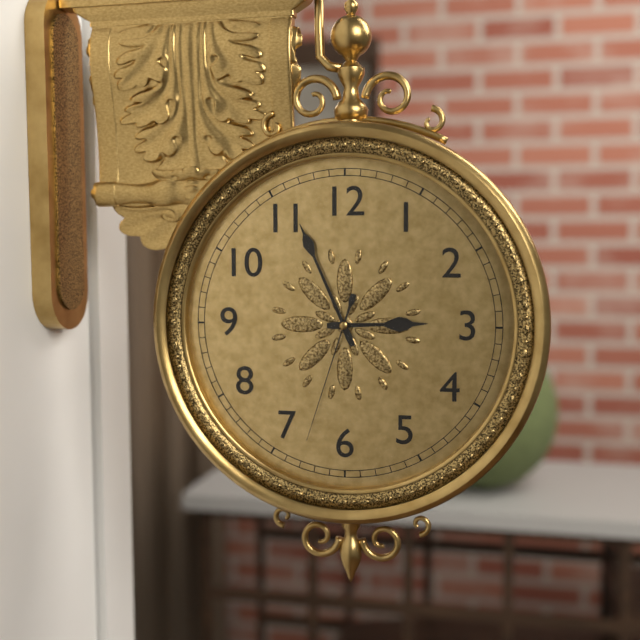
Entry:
h=2 m=56 s=33
